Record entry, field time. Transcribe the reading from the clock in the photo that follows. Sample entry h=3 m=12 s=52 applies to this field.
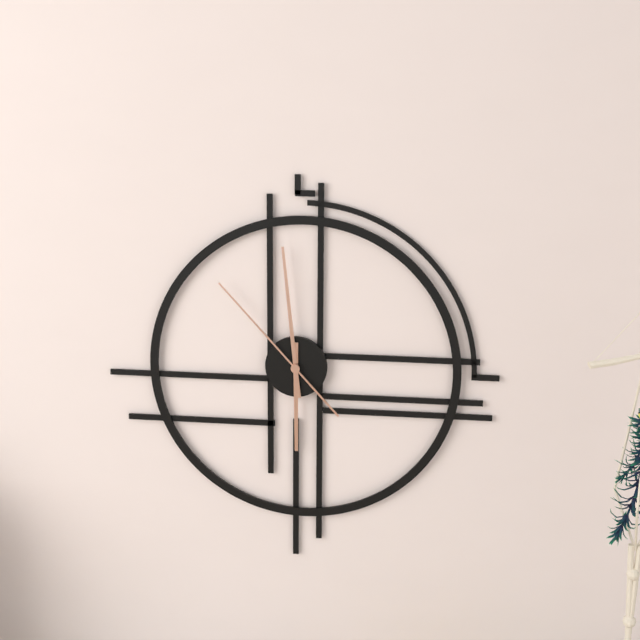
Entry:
h=5 m=59 s=53
